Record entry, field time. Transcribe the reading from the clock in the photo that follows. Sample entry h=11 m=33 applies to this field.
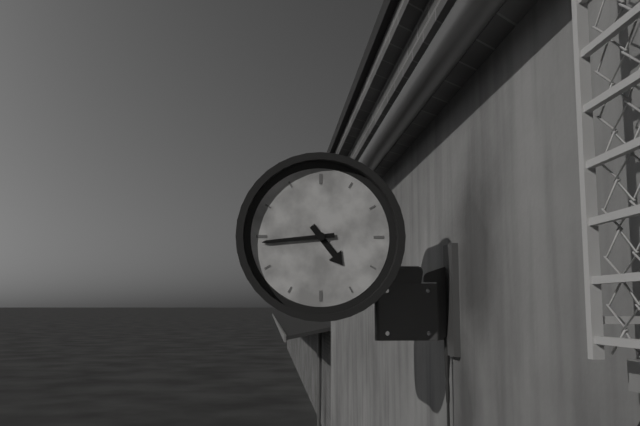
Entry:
h=4 m=44
